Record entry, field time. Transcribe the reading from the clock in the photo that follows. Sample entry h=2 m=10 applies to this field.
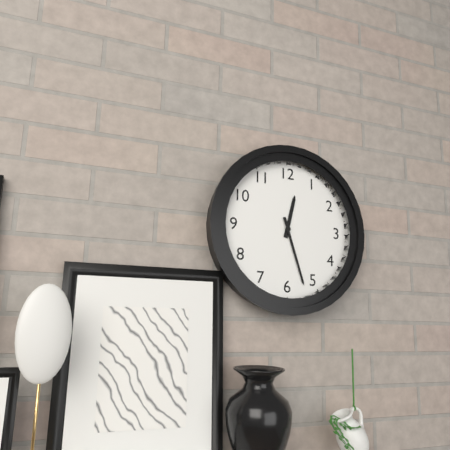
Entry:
h=12 m=27
